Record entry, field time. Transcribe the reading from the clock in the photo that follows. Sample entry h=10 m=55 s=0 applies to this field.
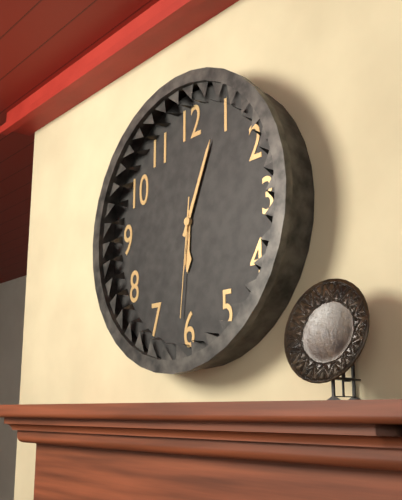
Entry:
h=6 m=4 s=31
